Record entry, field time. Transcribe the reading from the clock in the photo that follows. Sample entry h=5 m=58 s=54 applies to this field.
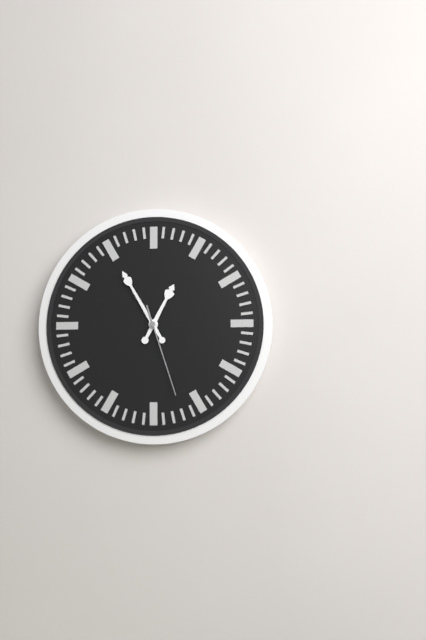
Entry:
h=12 m=55 s=27
